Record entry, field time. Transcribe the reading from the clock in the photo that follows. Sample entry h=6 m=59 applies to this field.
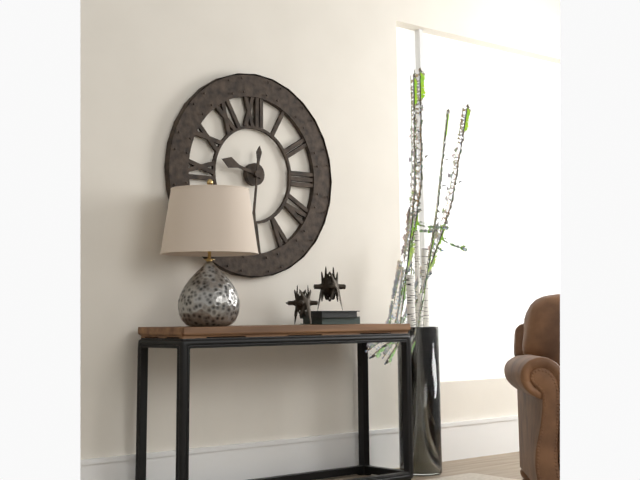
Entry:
h=9 m=31
